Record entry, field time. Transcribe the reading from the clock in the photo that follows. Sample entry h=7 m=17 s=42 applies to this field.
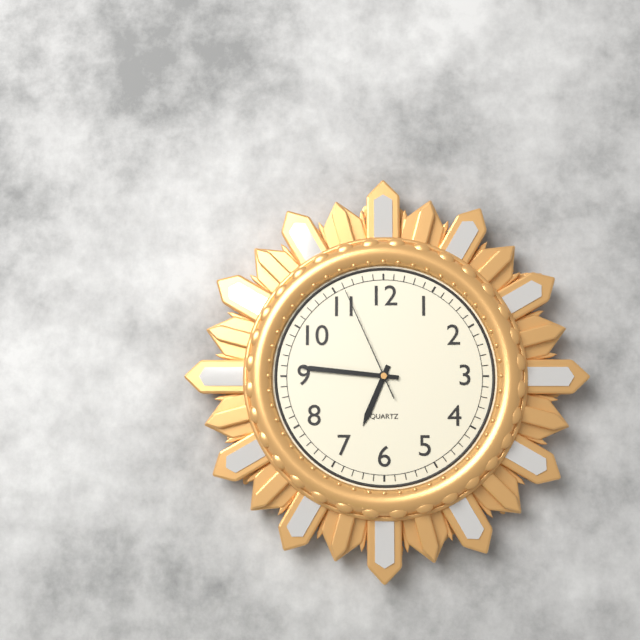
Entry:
h=6 m=46 s=56
